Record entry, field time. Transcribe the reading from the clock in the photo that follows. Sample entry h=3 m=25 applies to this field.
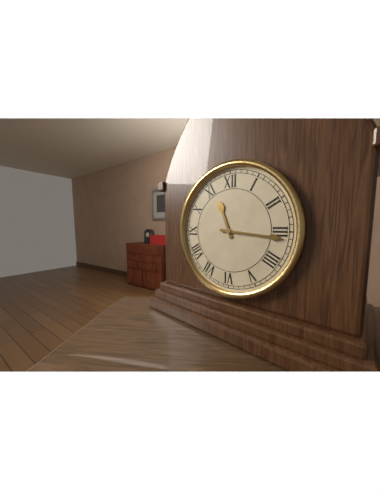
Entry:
h=11 m=16
